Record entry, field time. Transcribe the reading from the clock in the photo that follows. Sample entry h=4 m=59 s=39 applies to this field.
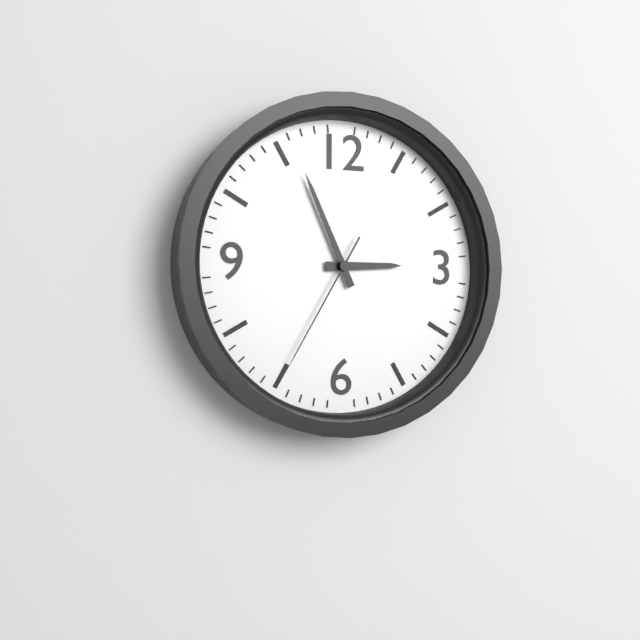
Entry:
h=2 m=56 s=35
